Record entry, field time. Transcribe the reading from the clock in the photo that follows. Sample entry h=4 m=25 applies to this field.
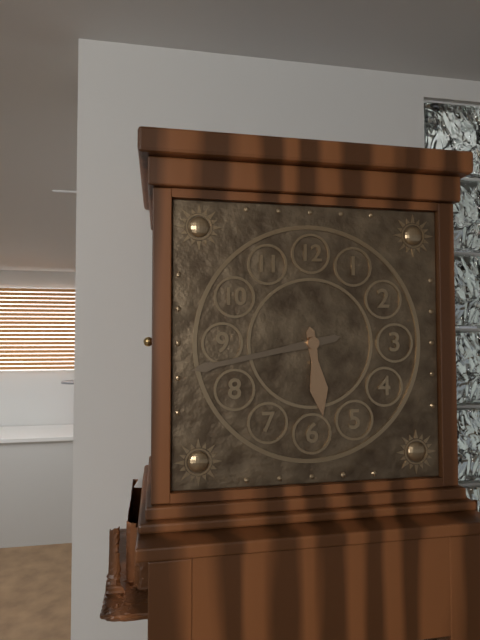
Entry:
h=5 m=43
